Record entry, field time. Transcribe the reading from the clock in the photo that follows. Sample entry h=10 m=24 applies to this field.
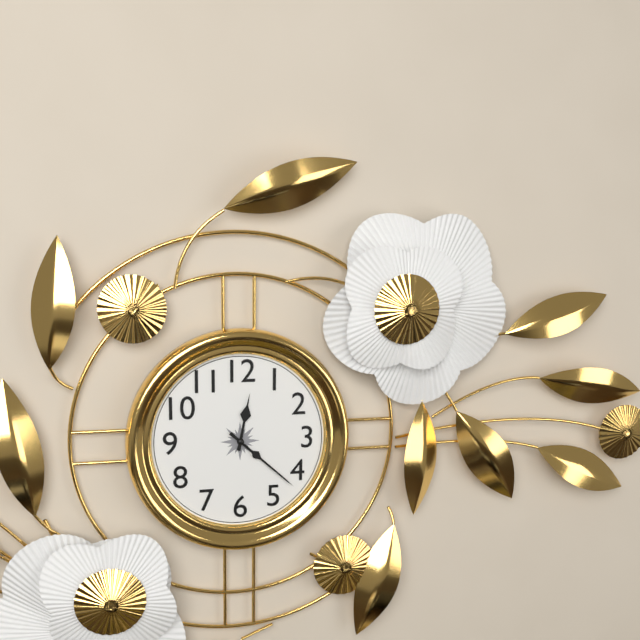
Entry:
h=12 m=22
